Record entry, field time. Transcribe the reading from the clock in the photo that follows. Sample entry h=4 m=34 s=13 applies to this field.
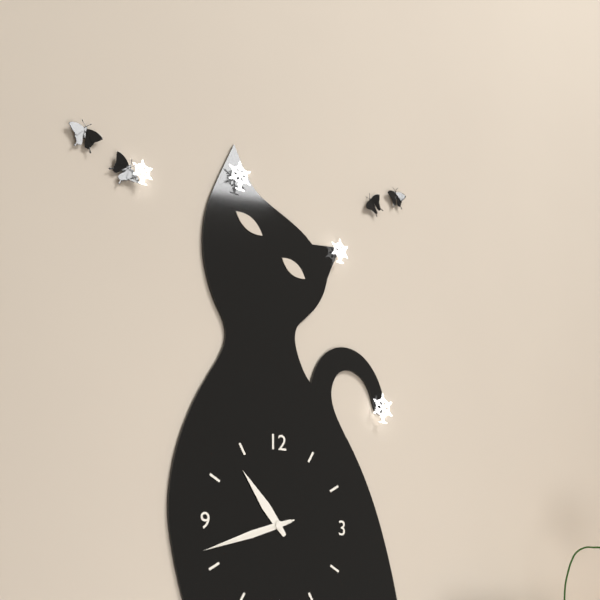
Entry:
h=10 m=42 s=42
